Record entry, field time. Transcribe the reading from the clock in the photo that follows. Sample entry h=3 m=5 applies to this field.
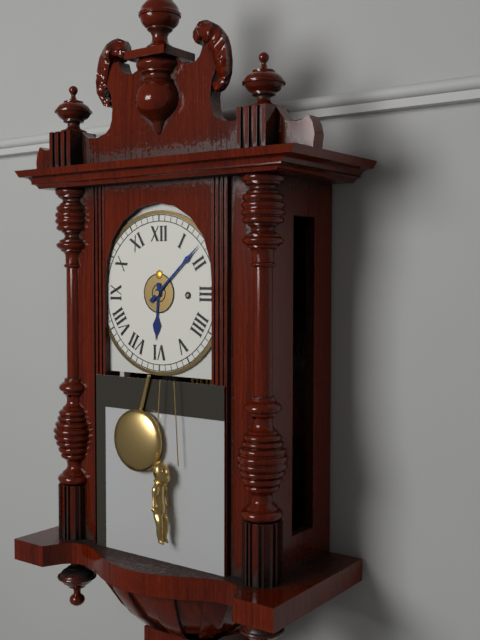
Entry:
h=6 m=8
